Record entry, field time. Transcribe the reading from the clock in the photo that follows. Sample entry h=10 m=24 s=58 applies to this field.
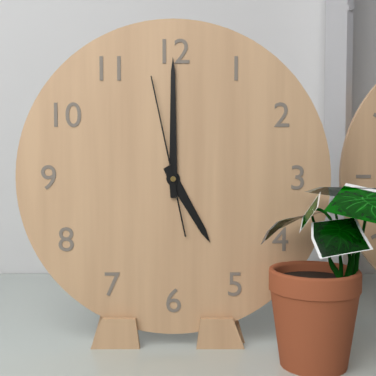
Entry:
h=5 m=0 s=58
